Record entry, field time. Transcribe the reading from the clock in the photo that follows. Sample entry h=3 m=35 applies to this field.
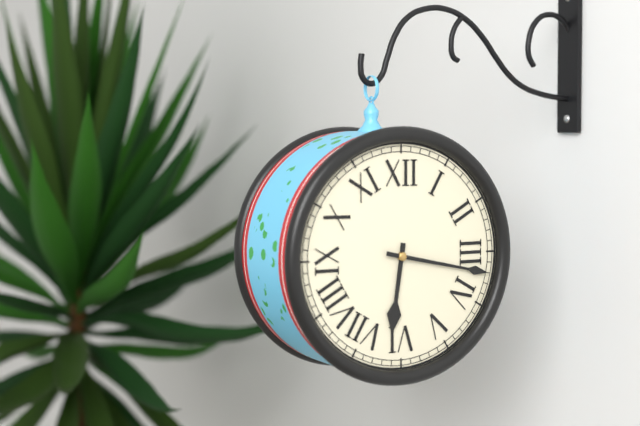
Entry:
h=6 m=17
